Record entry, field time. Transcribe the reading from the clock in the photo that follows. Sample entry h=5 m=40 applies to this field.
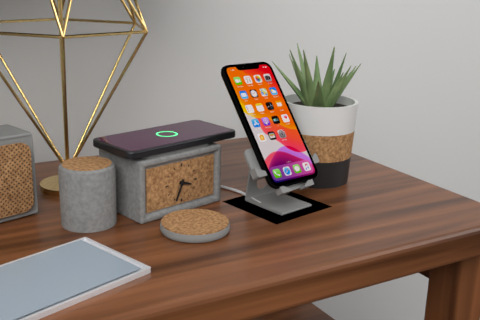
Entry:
h=3 m=34
